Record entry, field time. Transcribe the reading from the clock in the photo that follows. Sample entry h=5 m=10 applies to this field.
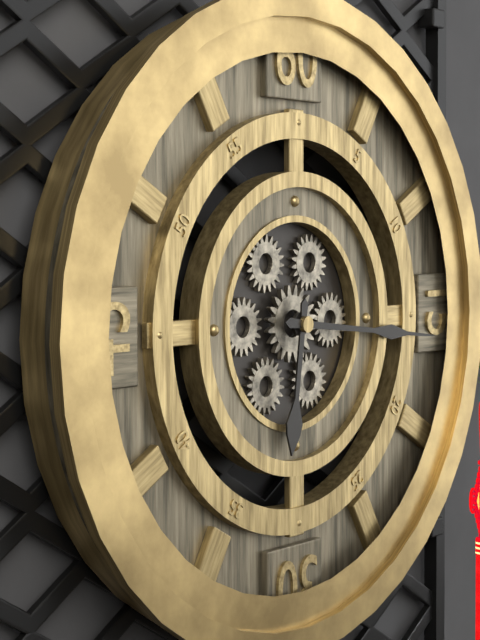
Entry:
h=6 m=16
